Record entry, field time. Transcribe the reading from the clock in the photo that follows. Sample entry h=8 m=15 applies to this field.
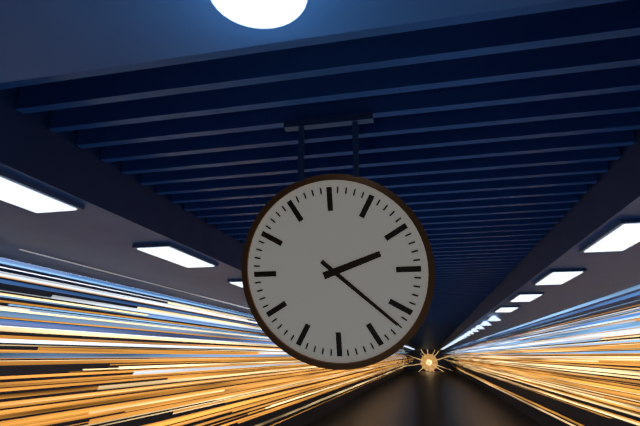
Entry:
h=2 m=22
